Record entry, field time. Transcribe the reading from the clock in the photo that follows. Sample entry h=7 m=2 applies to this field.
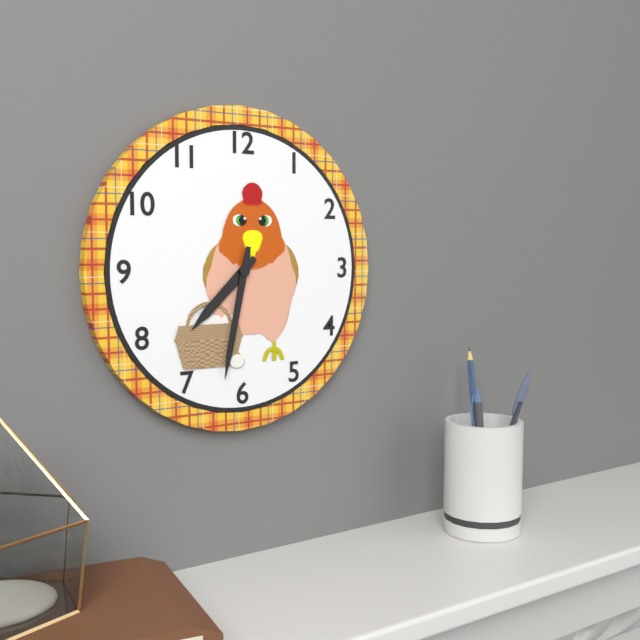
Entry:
h=7 m=32
